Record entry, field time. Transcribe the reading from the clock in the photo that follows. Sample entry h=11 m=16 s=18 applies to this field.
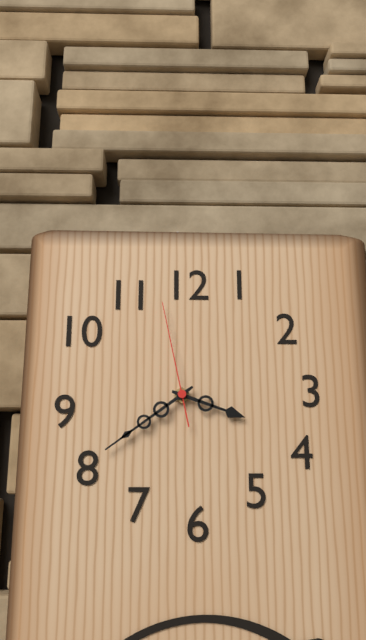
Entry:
h=3 m=39 s=58
